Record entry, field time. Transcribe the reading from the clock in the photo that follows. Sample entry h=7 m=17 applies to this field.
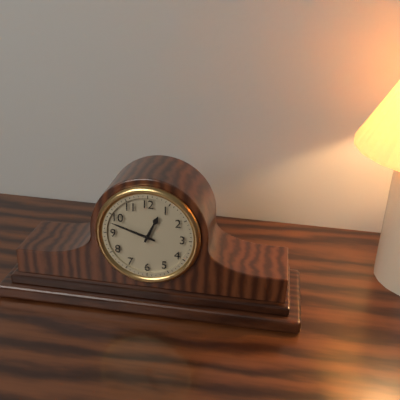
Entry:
h=12 m=48
